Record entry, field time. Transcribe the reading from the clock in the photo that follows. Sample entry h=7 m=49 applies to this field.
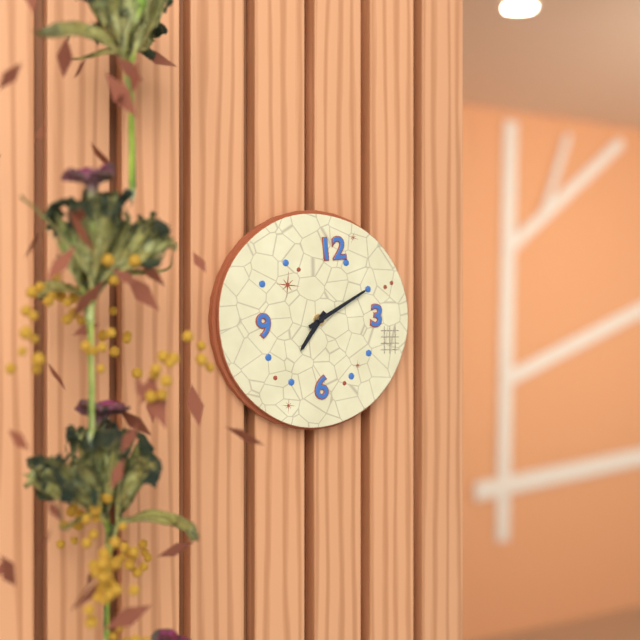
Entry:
h=7 m=10
